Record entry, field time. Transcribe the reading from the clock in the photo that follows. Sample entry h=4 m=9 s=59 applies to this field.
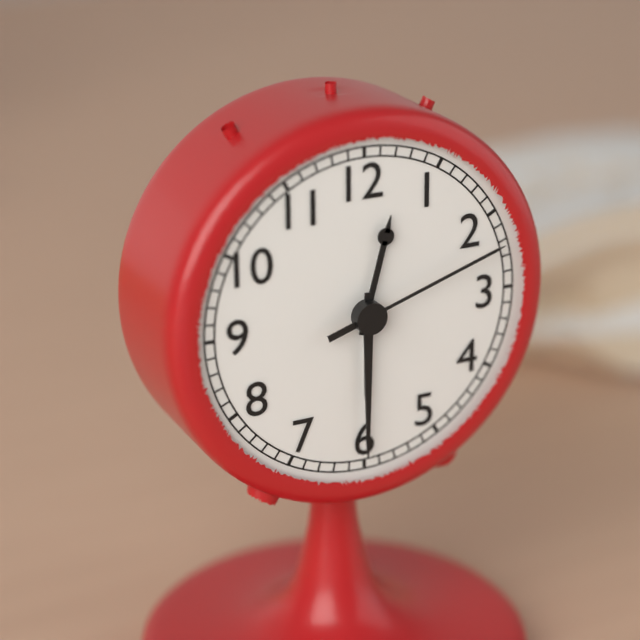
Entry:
h=12 m=30 s=12
